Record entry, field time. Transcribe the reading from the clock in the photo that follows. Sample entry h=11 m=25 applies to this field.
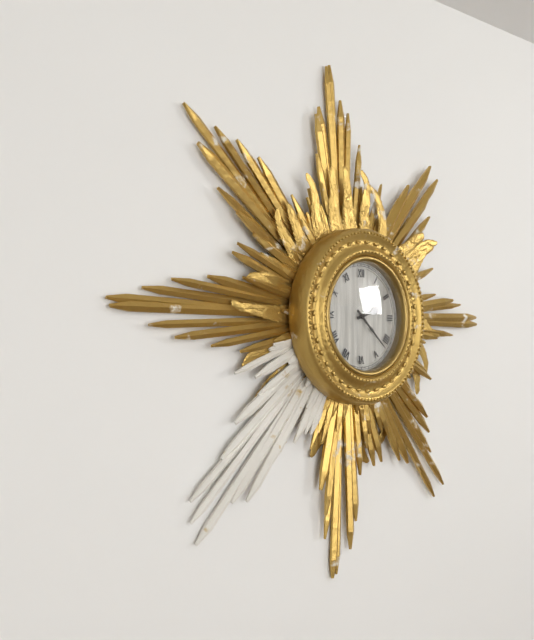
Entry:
h=2 m=22
